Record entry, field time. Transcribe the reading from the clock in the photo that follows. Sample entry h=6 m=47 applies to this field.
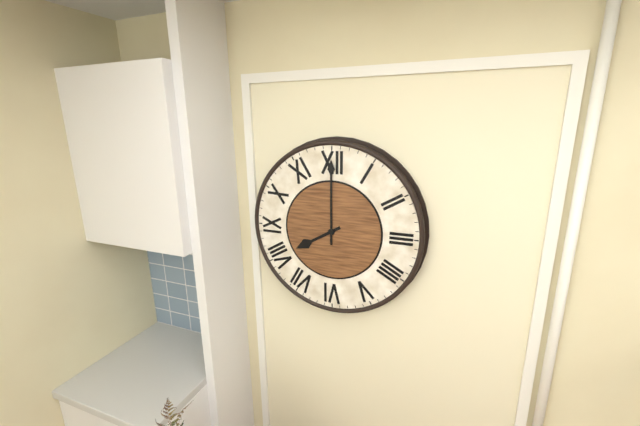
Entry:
h=8 m=0
